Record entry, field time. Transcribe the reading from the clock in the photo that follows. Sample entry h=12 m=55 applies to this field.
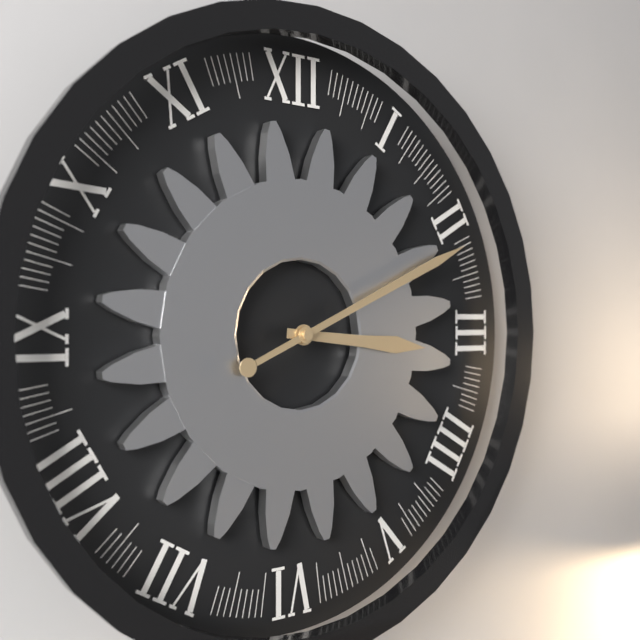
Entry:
h=3 m=11
